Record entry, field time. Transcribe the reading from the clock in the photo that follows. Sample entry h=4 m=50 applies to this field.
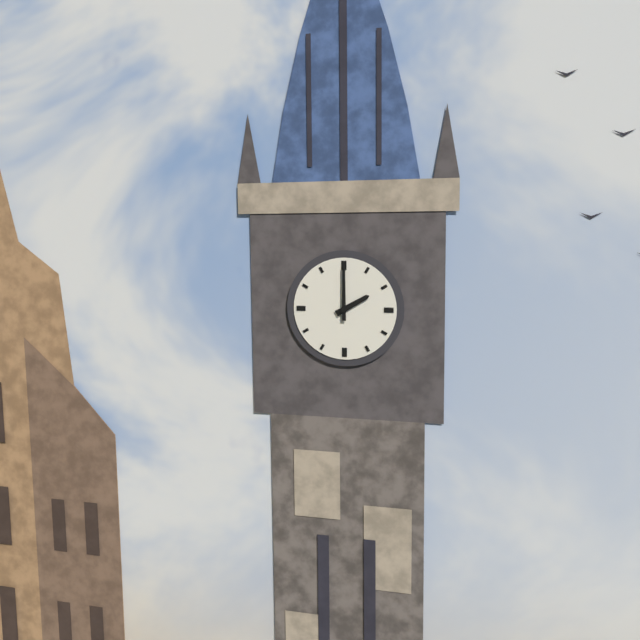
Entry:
h=2 m=0
